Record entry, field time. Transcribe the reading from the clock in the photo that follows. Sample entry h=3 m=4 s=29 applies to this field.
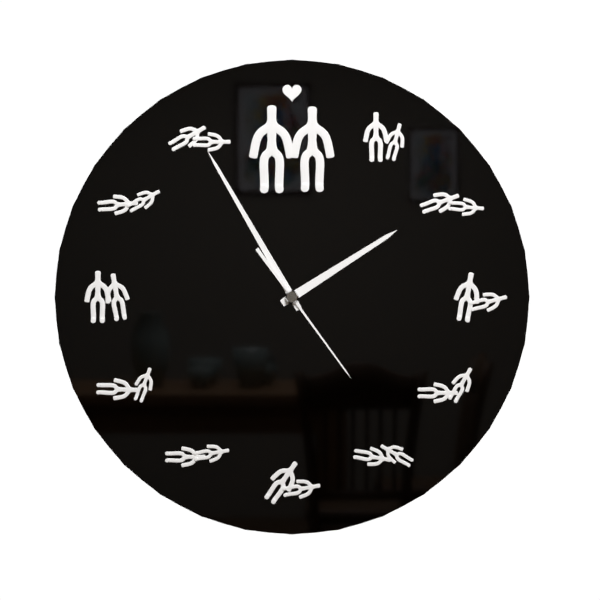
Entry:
h=1 m=55 s=24
